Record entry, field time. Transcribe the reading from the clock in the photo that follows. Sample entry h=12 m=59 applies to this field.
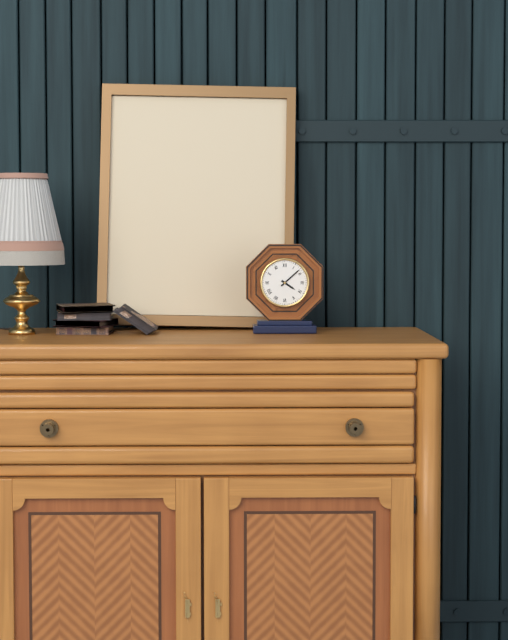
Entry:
h=4 m=8
